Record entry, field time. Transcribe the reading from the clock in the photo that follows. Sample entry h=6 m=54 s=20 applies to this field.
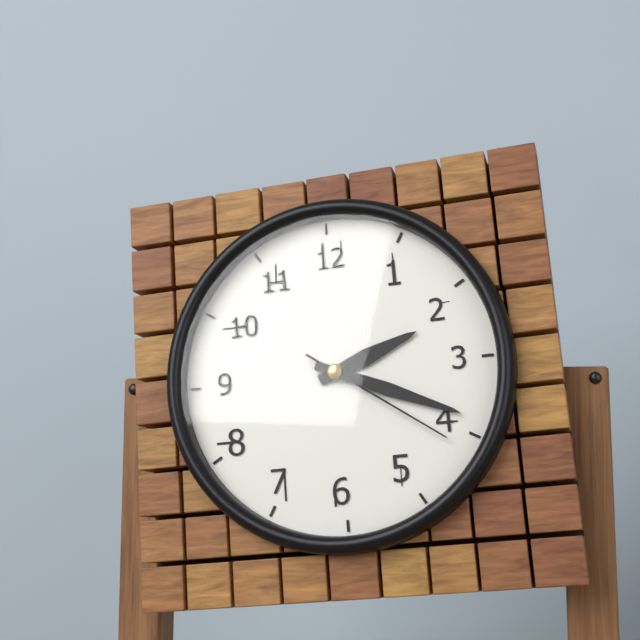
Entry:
h=2 m=19 s=21
